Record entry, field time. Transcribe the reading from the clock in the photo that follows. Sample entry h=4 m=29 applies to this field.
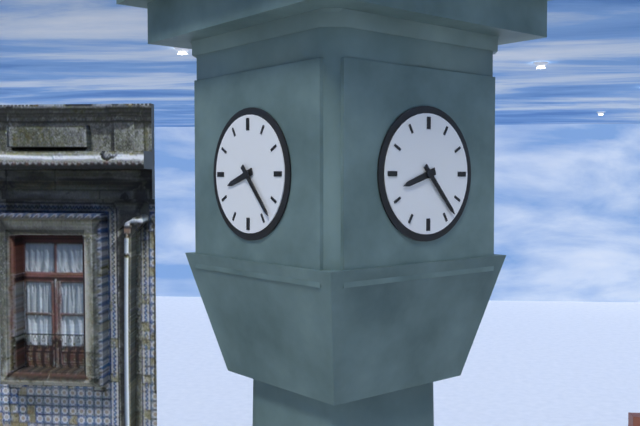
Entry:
h=8 m=23
